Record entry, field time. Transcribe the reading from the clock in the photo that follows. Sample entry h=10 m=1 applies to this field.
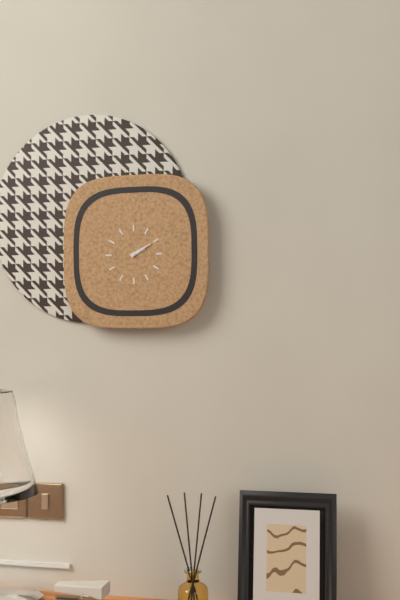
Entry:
h=2 m=10
